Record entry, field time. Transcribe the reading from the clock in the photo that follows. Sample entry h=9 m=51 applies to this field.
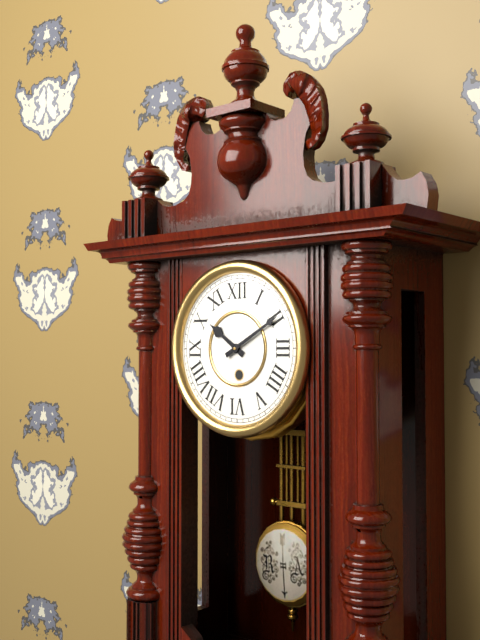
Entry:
h=10 m=10
